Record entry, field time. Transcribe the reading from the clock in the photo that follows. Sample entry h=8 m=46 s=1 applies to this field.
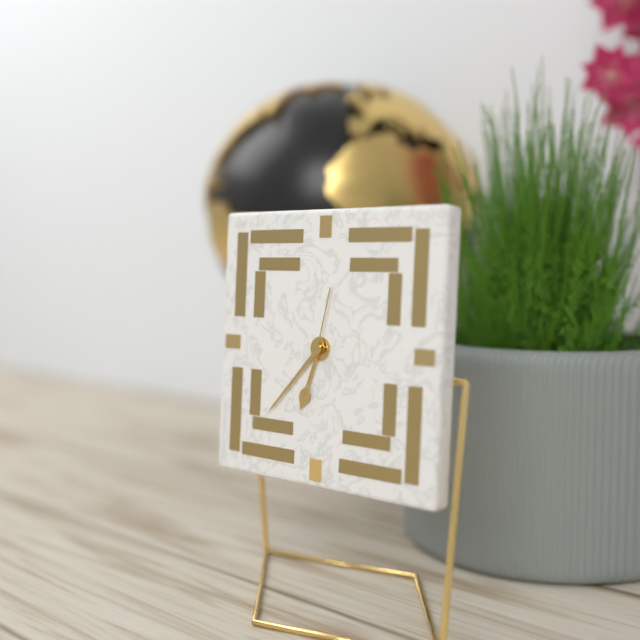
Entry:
h=6 m=37 s=2
